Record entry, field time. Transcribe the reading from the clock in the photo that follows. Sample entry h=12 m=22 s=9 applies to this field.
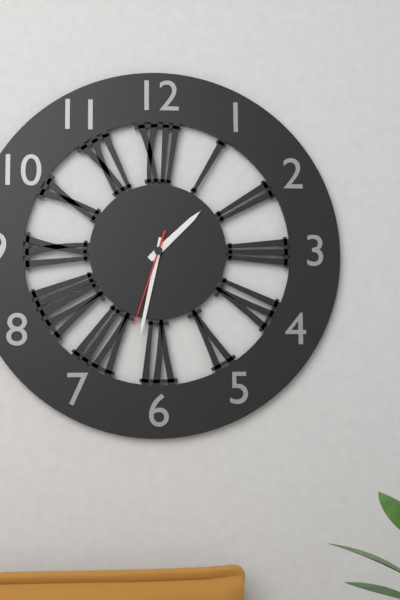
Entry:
h=1 m=32 s=33
